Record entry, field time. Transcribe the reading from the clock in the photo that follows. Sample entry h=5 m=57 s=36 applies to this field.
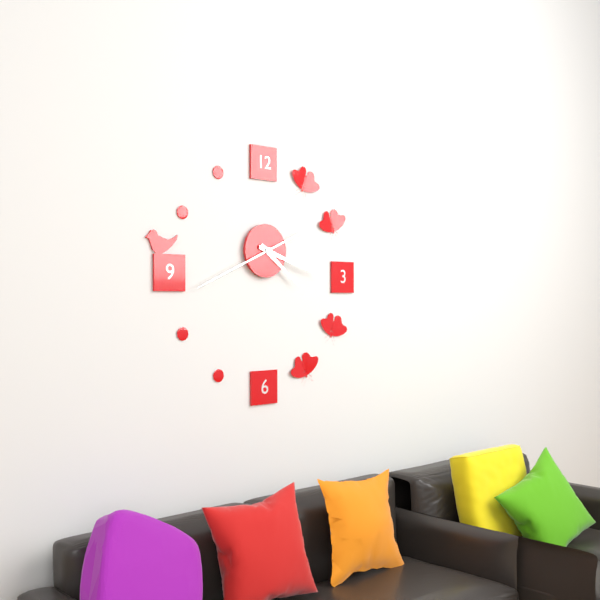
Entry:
h=4 m=18 s=41
